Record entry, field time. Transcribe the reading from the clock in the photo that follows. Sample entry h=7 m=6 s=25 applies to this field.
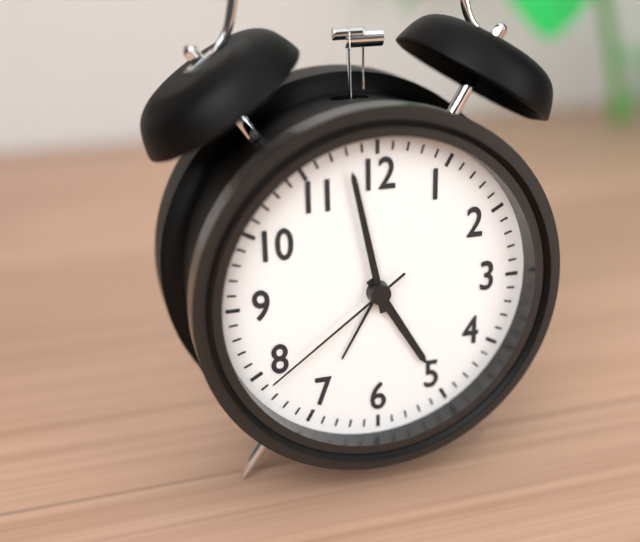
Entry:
h=4 m=58 s=39
